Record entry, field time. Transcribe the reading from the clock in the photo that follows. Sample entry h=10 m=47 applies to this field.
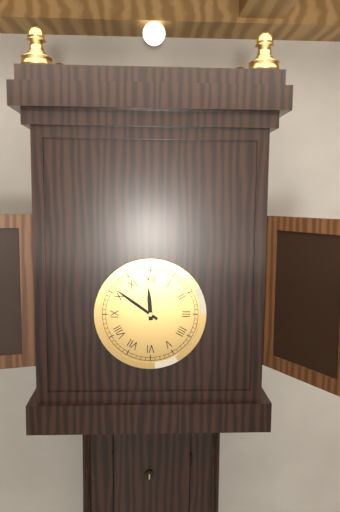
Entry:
h=11 m=51
